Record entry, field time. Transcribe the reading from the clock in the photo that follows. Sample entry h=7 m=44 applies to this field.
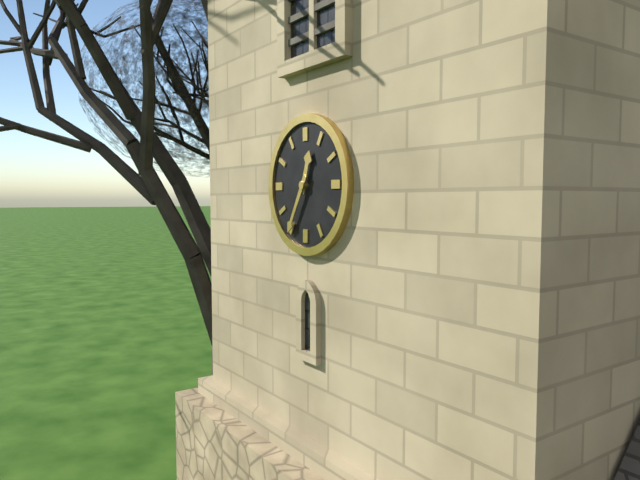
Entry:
h=12 m=35
